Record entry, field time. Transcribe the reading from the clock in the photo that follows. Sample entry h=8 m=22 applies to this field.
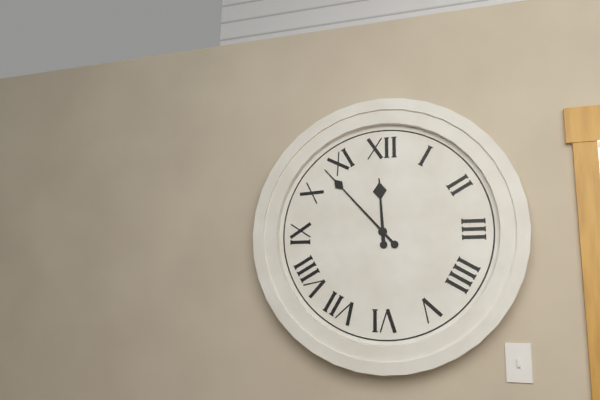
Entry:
h=11 m=53
